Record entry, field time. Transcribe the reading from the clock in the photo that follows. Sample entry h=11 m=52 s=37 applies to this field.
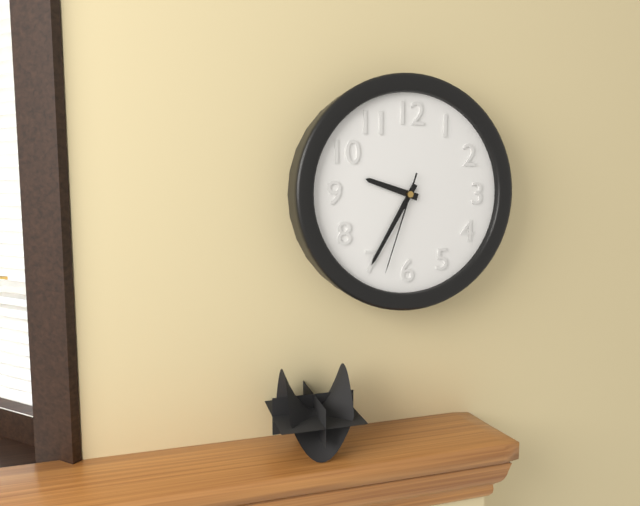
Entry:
h=9 m=35 s=33
